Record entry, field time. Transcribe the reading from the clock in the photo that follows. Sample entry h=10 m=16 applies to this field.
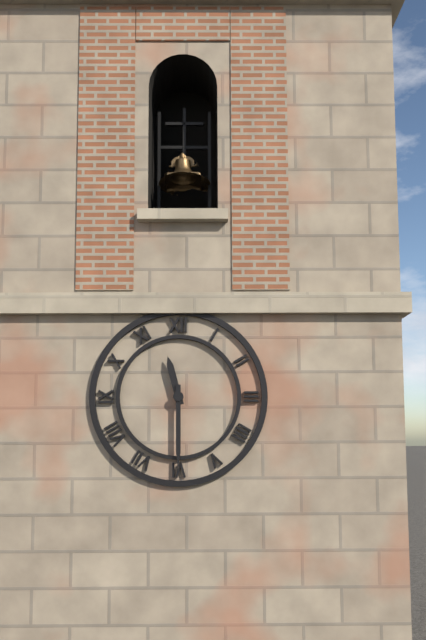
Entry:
h=11 m=30
